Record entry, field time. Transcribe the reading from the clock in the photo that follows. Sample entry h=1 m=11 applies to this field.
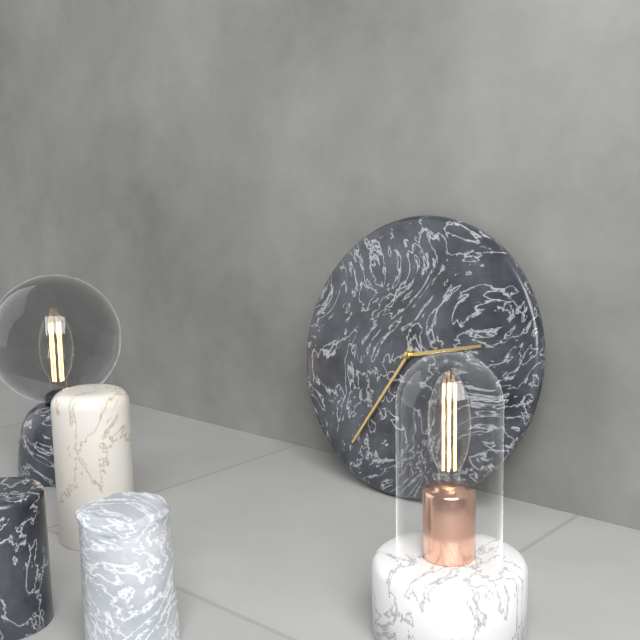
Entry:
h=2 m=35
